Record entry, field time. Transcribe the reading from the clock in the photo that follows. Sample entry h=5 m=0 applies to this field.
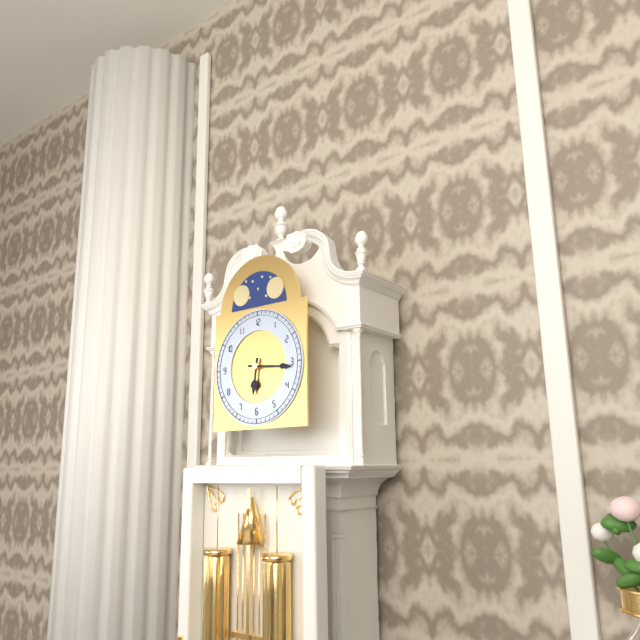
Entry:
h=6 m=16
